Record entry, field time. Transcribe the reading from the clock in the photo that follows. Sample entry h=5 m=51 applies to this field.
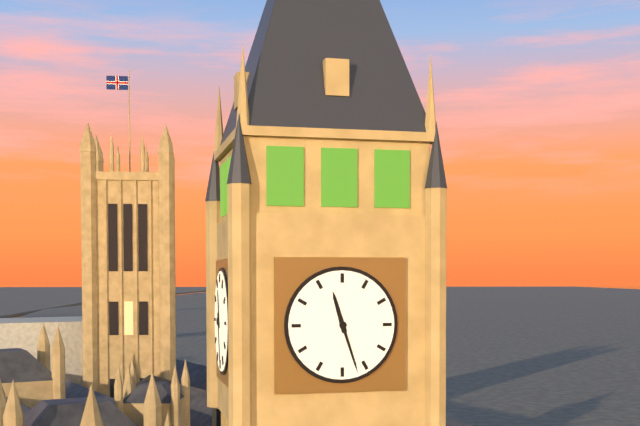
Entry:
h=11 m=27
